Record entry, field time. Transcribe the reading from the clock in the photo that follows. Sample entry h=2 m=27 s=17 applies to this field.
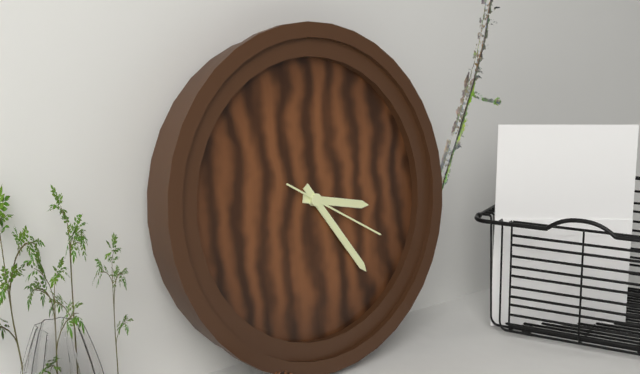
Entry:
h=3 m=24 s=20
